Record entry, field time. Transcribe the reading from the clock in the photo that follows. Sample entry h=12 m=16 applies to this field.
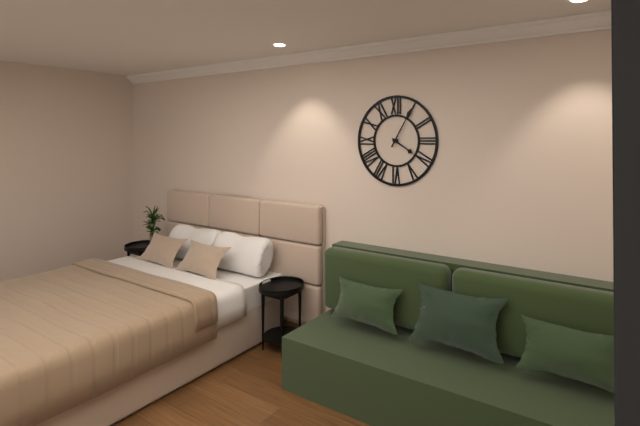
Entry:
h=4 m=5
